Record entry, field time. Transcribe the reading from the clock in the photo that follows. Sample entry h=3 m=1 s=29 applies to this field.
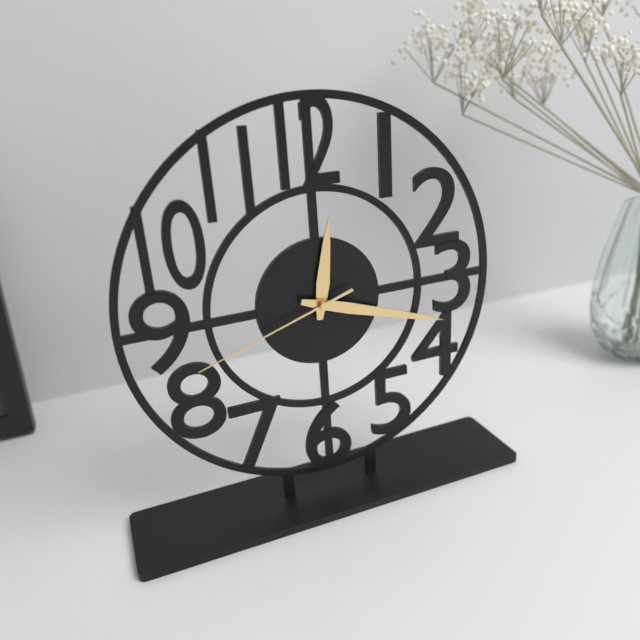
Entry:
h=12 m=18 s=42
